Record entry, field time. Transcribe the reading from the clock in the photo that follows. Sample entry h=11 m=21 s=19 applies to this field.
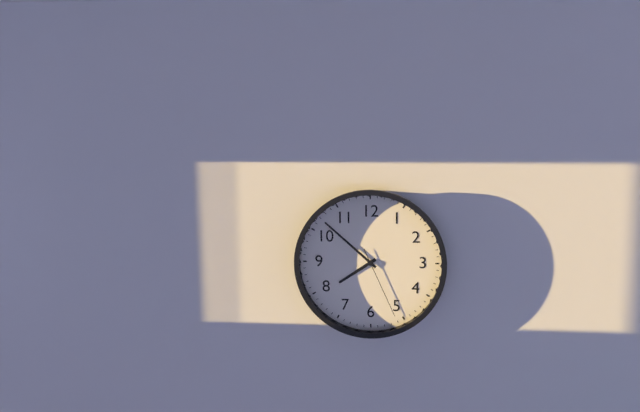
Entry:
h=7 m=52 s=26
